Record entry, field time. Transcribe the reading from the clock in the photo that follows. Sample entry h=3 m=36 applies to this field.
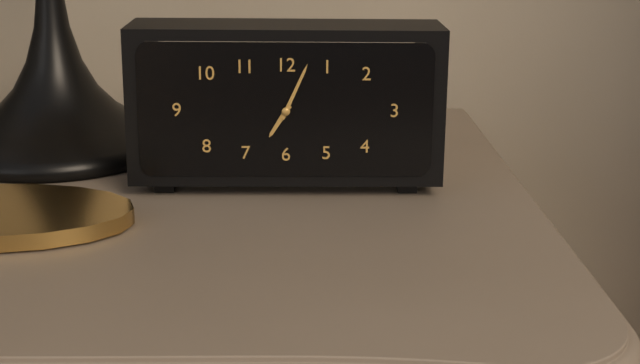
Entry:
h=7 m=4
